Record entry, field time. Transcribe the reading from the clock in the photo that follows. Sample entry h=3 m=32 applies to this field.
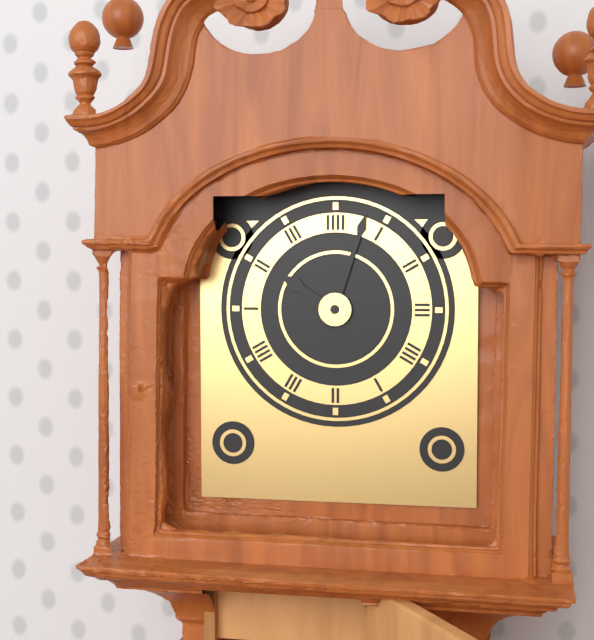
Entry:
h=10 m=3
